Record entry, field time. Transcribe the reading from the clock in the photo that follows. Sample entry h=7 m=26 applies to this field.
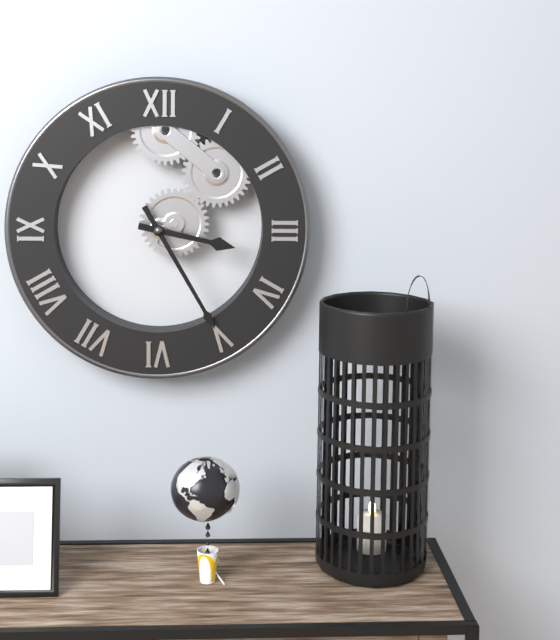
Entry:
h=3 m=25
